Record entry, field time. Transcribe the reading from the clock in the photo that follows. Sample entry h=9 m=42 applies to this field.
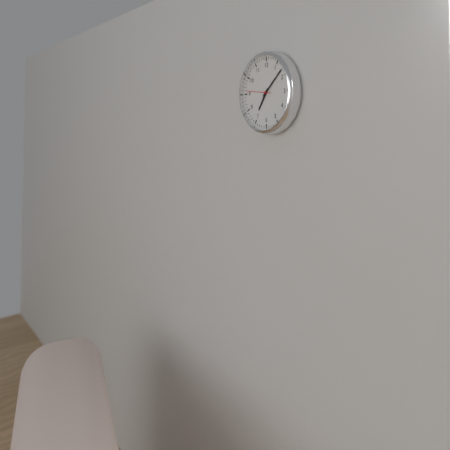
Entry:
h=7 m=8
